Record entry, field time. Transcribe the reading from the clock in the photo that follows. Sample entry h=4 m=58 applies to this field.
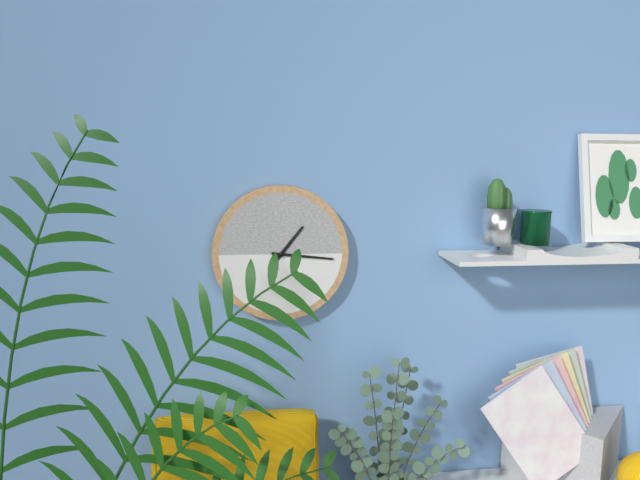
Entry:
h=1 m=16
